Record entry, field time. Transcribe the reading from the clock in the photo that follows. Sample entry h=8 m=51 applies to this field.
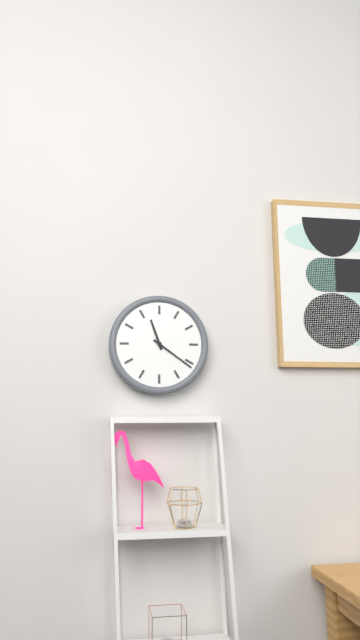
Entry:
h=11 m=21
